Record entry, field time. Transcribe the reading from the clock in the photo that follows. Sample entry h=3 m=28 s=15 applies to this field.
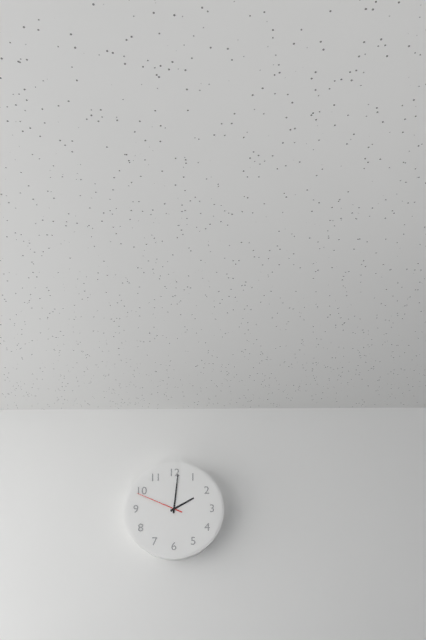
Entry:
h=2 m=1 s=49
